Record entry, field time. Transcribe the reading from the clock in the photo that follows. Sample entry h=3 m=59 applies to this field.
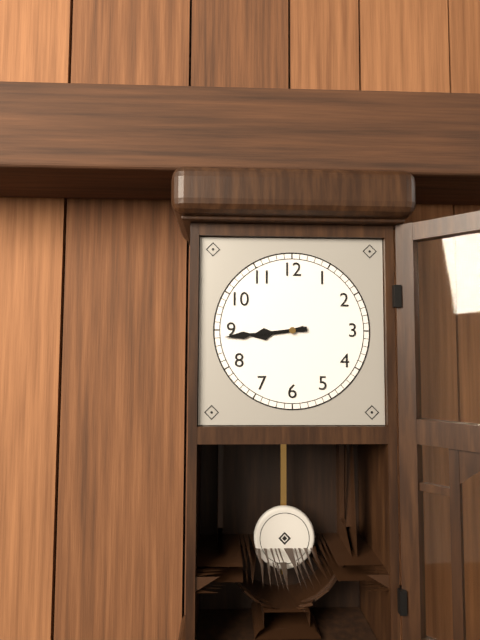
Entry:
h=8 m=44
